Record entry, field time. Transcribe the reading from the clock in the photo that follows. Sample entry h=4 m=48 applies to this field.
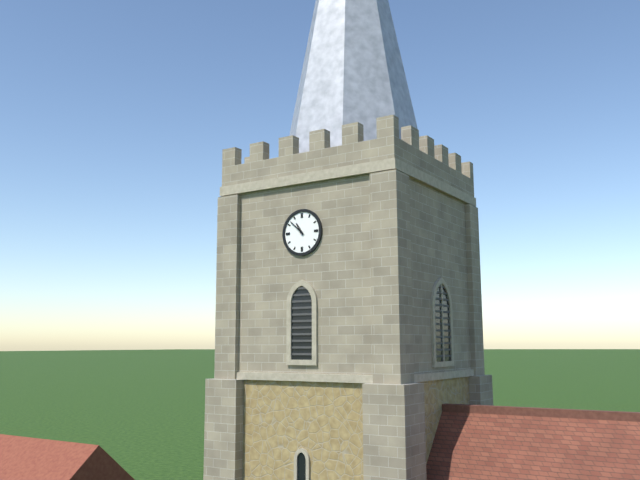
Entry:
h=10 m=52
